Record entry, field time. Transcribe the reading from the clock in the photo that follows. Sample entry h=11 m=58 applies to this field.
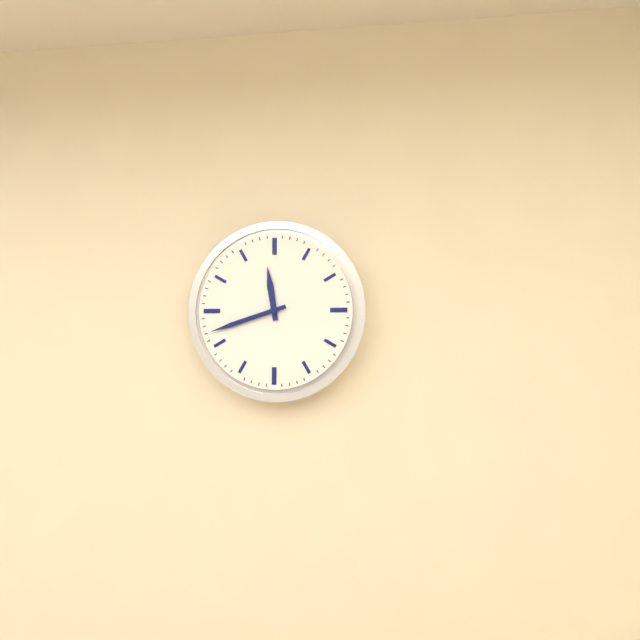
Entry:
h=11 m=42
